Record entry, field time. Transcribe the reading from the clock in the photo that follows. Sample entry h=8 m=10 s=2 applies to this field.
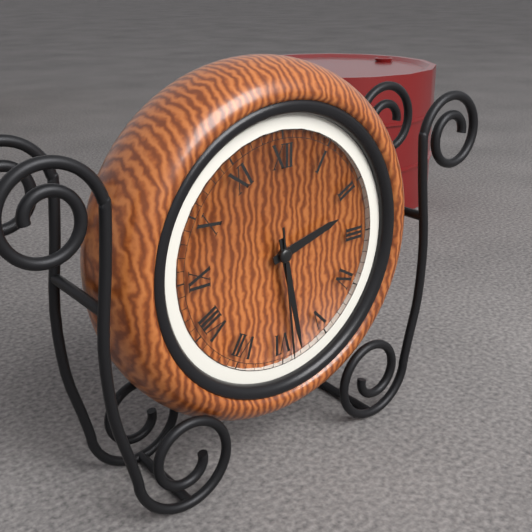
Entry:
h=2 m=28 s=29
